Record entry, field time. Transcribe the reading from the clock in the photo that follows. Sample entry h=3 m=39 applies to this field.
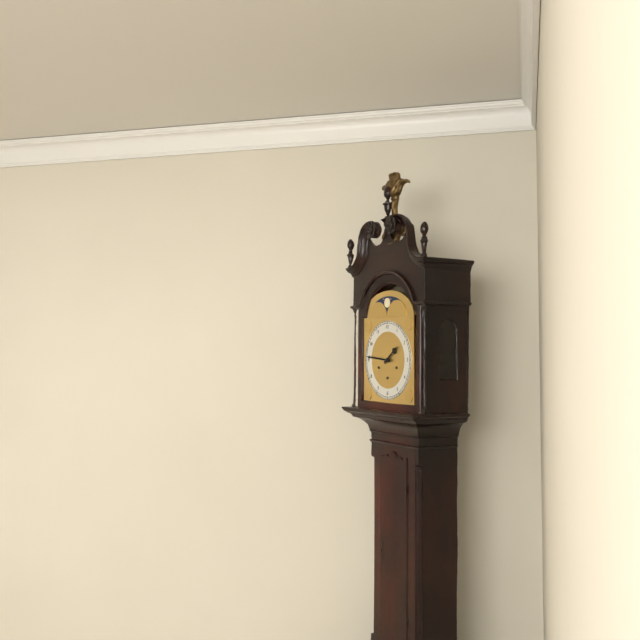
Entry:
h=1 m=46
